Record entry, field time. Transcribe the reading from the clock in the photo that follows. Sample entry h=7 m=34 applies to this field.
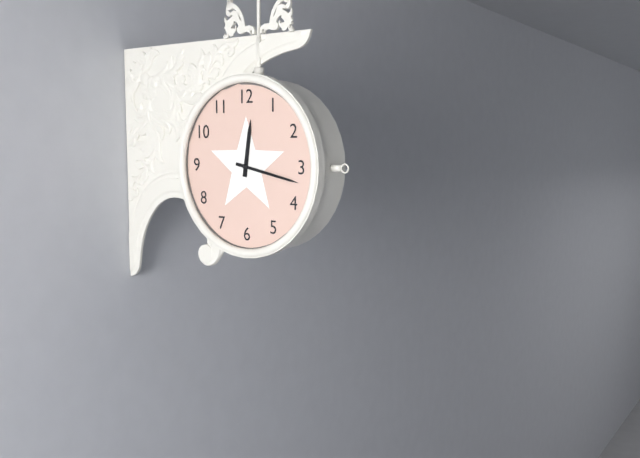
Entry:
h=12 m=17
